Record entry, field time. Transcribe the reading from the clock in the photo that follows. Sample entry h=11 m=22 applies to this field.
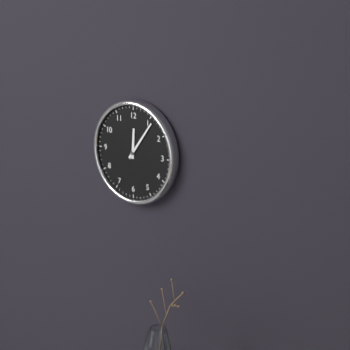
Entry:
h=12 m=6
